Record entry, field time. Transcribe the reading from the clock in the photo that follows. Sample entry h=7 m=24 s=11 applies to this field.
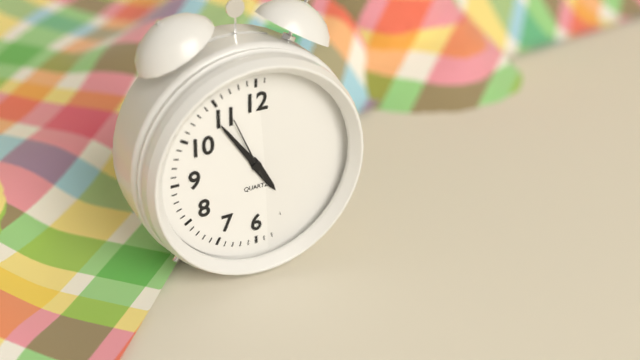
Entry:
h=4 m=54 s=56
